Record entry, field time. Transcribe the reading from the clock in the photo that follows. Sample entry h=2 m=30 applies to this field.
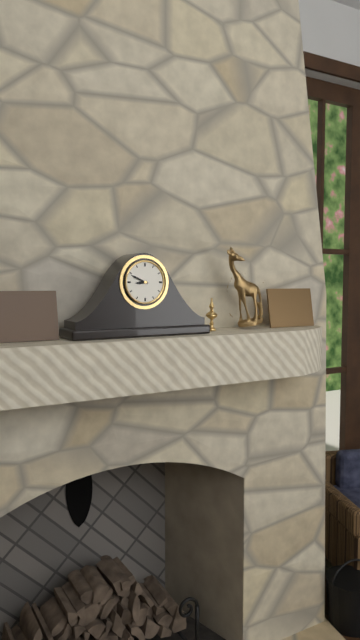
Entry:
h=8 m=49
